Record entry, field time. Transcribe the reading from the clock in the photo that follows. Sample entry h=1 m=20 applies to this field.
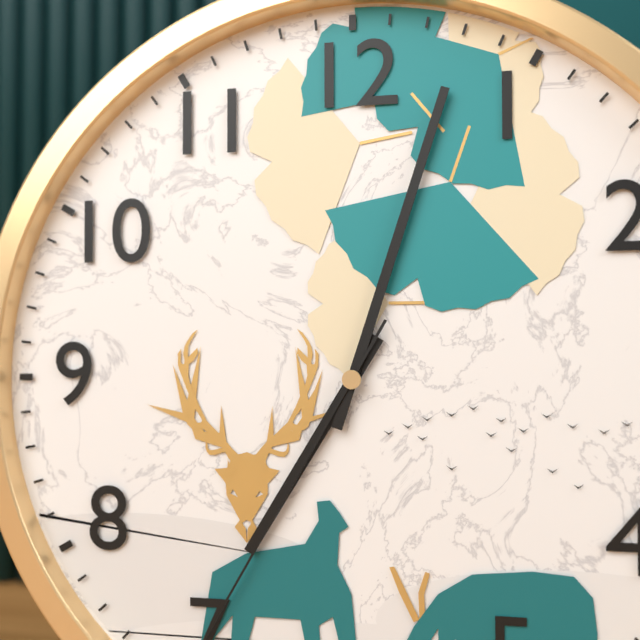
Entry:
h=7 m=3
